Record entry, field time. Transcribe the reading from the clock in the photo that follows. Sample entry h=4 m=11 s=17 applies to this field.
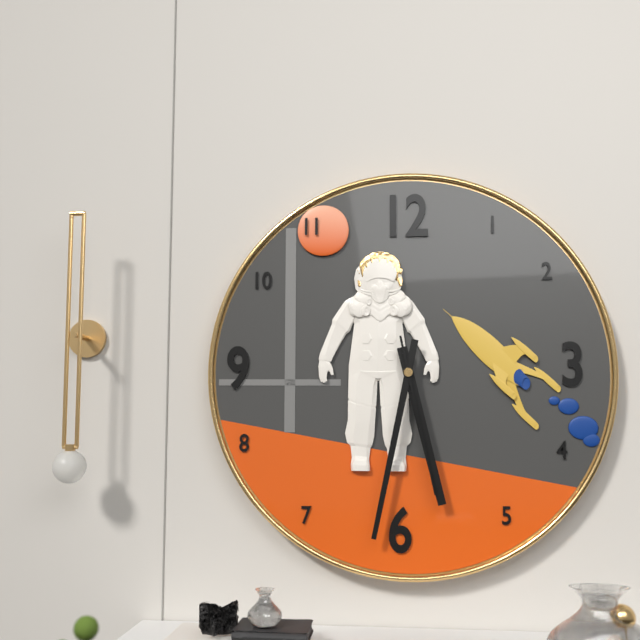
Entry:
h=5 m=32 s=28
